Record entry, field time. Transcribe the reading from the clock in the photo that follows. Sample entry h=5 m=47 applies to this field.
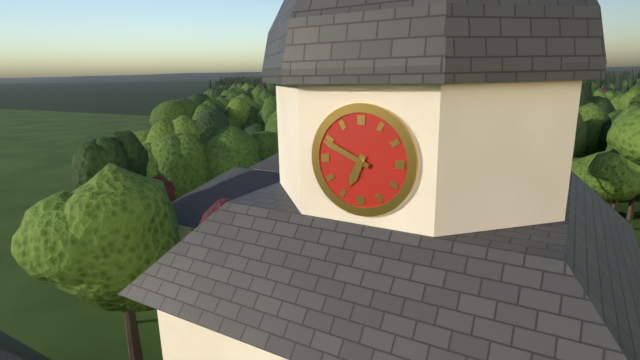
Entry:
h=6 m=49
